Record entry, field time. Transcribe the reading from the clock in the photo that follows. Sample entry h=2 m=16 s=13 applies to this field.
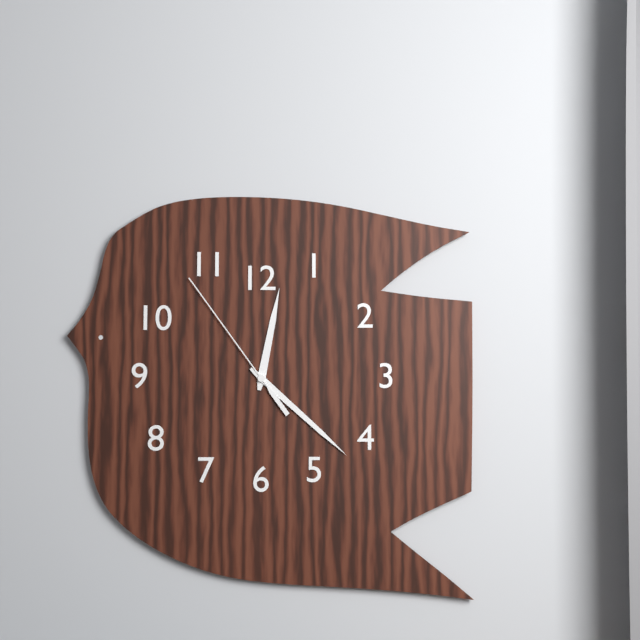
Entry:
h=12 m=22 s=54
